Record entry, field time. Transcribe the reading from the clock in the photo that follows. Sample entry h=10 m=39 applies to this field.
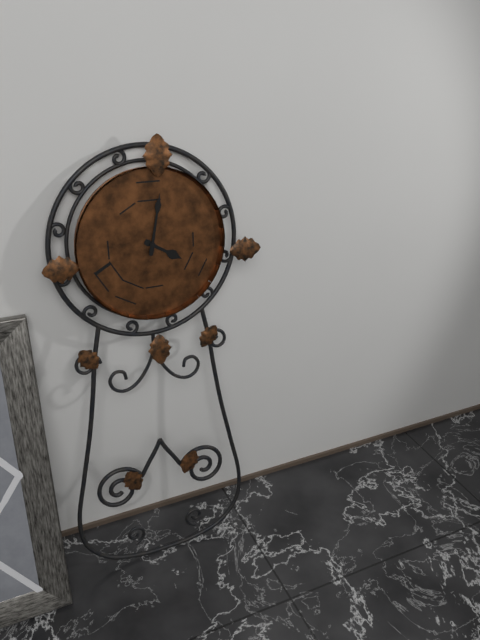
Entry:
h=4 m=2
